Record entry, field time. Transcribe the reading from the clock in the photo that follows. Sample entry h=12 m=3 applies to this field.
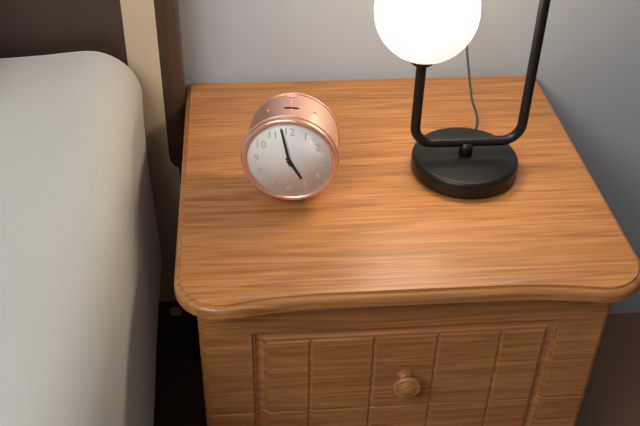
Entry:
h=4 m=58
